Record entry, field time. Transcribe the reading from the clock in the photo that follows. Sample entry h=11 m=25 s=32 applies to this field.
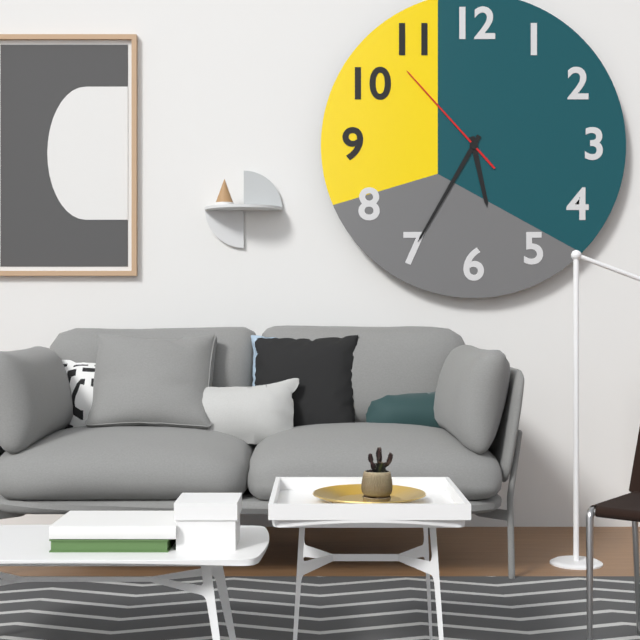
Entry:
h=5 m=35 s=53
